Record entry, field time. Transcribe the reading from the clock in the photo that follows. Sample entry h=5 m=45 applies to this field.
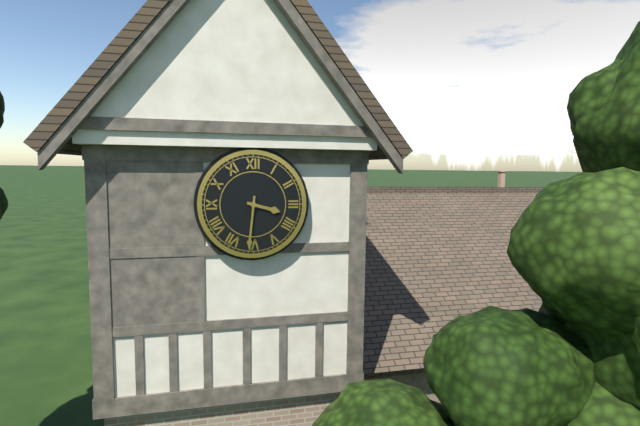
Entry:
h=3 m=31
